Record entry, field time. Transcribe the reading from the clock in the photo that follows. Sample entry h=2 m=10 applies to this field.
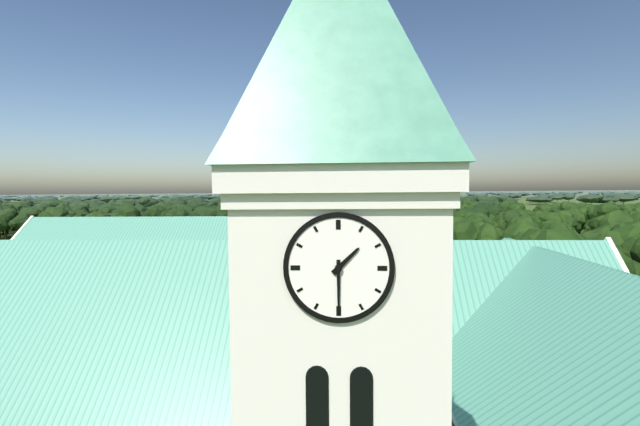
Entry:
h=1 m=30
